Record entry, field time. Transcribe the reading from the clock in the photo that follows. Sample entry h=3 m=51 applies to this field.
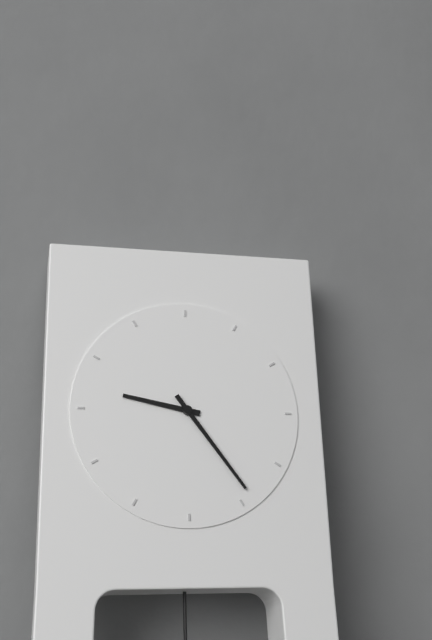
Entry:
h=9 m=24
